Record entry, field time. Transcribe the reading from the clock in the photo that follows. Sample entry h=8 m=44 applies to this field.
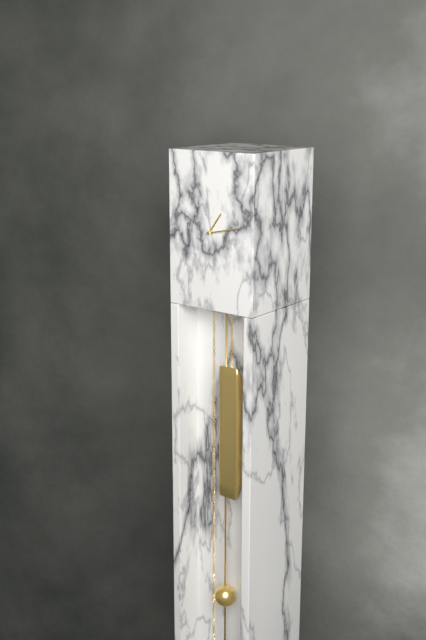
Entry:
h=1 m=13
